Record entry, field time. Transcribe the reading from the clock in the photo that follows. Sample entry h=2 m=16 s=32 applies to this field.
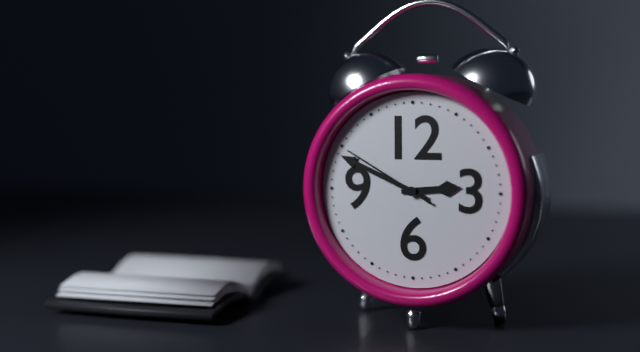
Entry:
h=2 m=49 s=50
